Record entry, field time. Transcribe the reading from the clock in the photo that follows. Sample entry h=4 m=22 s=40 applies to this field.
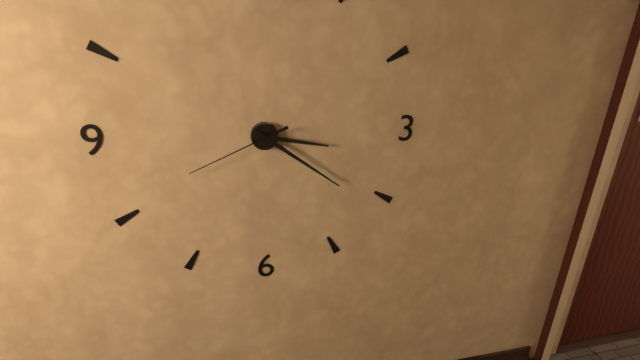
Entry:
h=3 m=21 s=41
